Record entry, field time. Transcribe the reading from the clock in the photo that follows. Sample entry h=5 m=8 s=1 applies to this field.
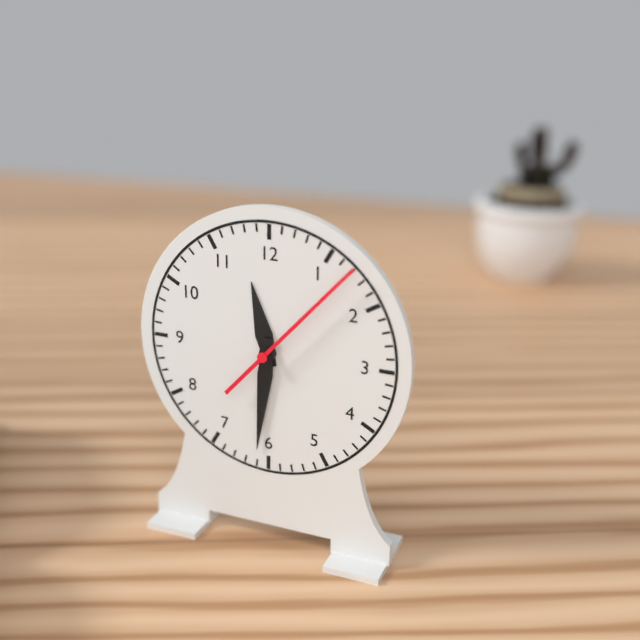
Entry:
h=11 m=31 s=7
